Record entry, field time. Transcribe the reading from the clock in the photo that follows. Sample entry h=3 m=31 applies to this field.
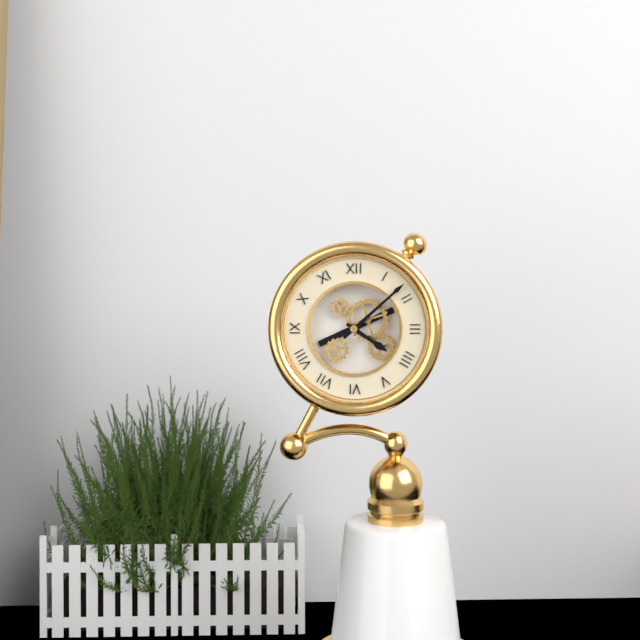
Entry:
h=4 m=8
